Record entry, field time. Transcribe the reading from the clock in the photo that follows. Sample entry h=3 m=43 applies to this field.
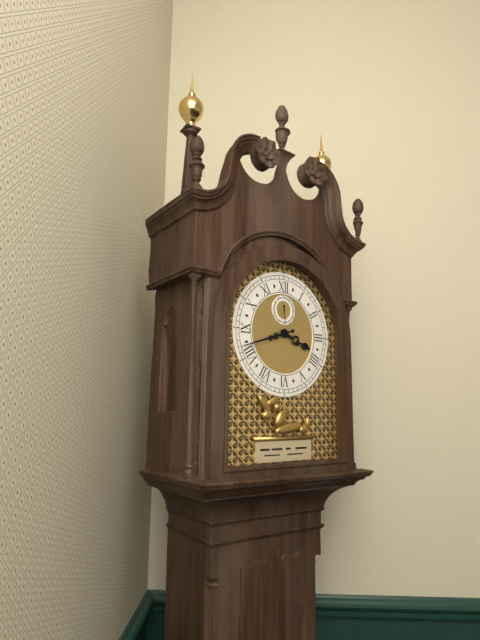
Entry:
h=3 m=42
